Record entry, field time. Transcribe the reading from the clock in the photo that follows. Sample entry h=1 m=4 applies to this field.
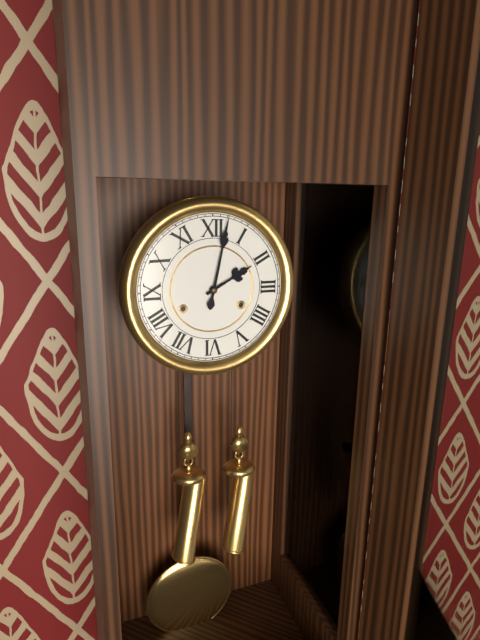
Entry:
h=2 m=2
